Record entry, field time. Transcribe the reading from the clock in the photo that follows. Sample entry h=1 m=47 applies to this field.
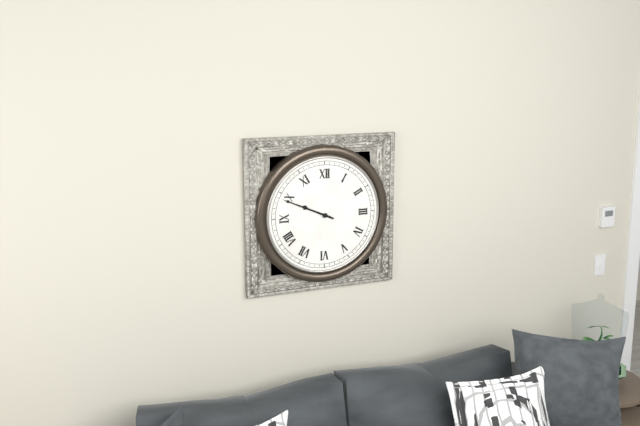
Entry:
h=9 m=49
